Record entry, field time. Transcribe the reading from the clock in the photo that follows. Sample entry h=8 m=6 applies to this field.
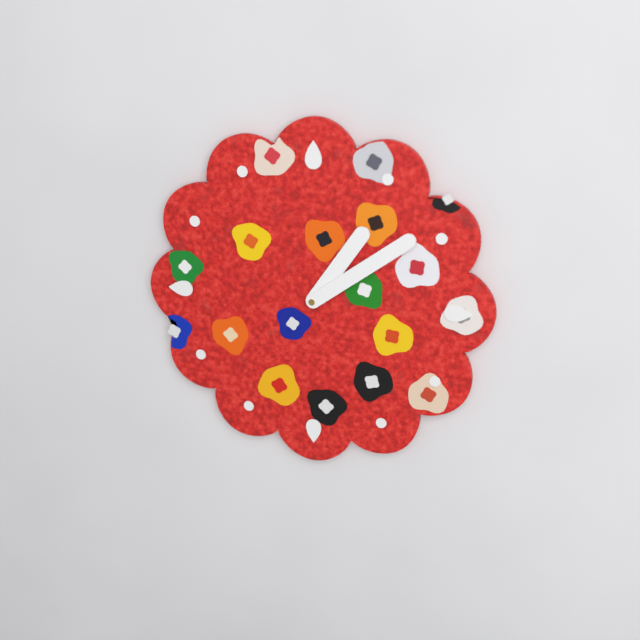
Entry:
h=1 m=9
